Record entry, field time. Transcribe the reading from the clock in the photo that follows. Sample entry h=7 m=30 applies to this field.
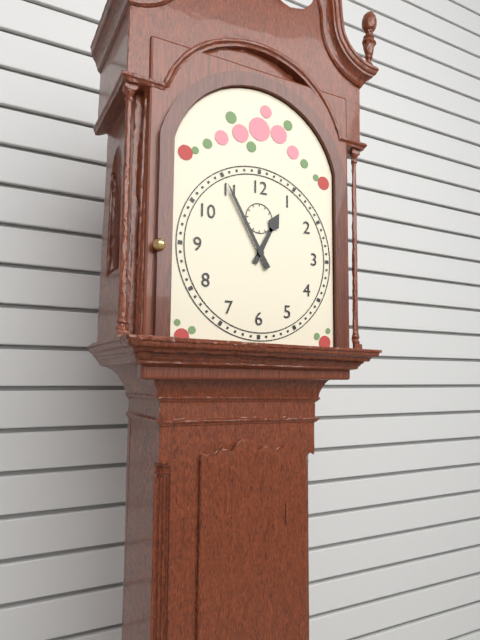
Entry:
h=12 m=55
